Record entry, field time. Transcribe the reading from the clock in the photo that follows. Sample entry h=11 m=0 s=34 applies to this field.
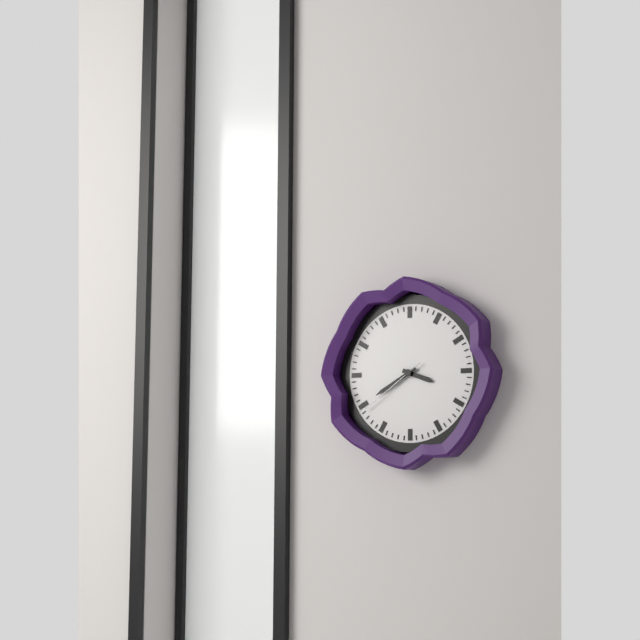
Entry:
h=3 m=40 s=39
